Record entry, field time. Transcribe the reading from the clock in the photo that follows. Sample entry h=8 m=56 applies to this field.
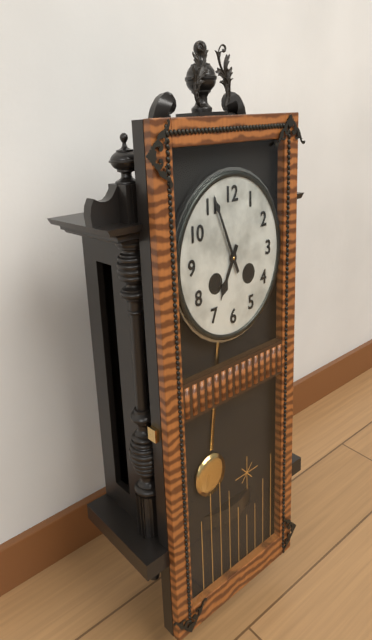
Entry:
h=6 m=56
